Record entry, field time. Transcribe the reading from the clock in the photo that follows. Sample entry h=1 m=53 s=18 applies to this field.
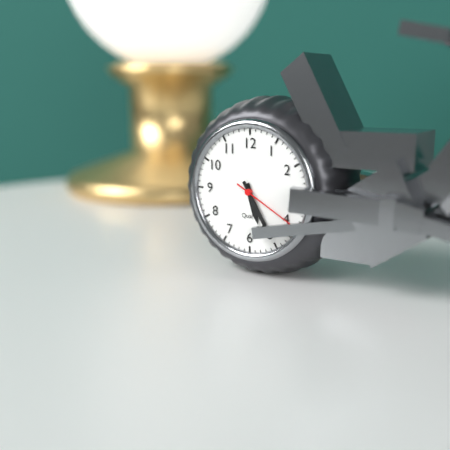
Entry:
h=5 m=25 s=20
